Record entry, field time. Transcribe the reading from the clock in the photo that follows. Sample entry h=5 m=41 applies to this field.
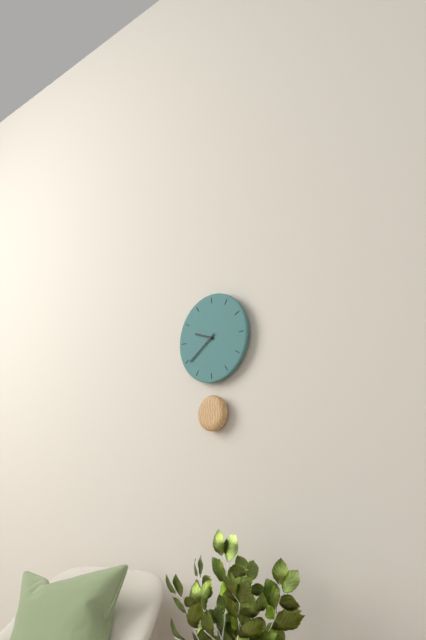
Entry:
h=9 m=39
